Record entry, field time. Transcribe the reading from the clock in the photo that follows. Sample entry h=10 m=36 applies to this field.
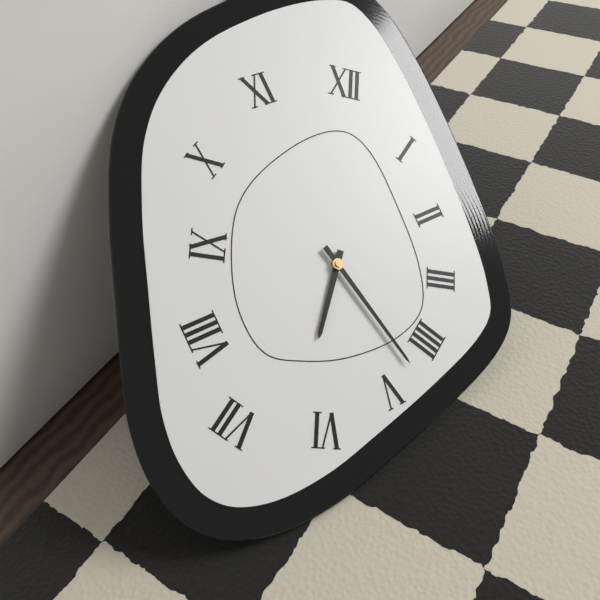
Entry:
h=6 m=23
